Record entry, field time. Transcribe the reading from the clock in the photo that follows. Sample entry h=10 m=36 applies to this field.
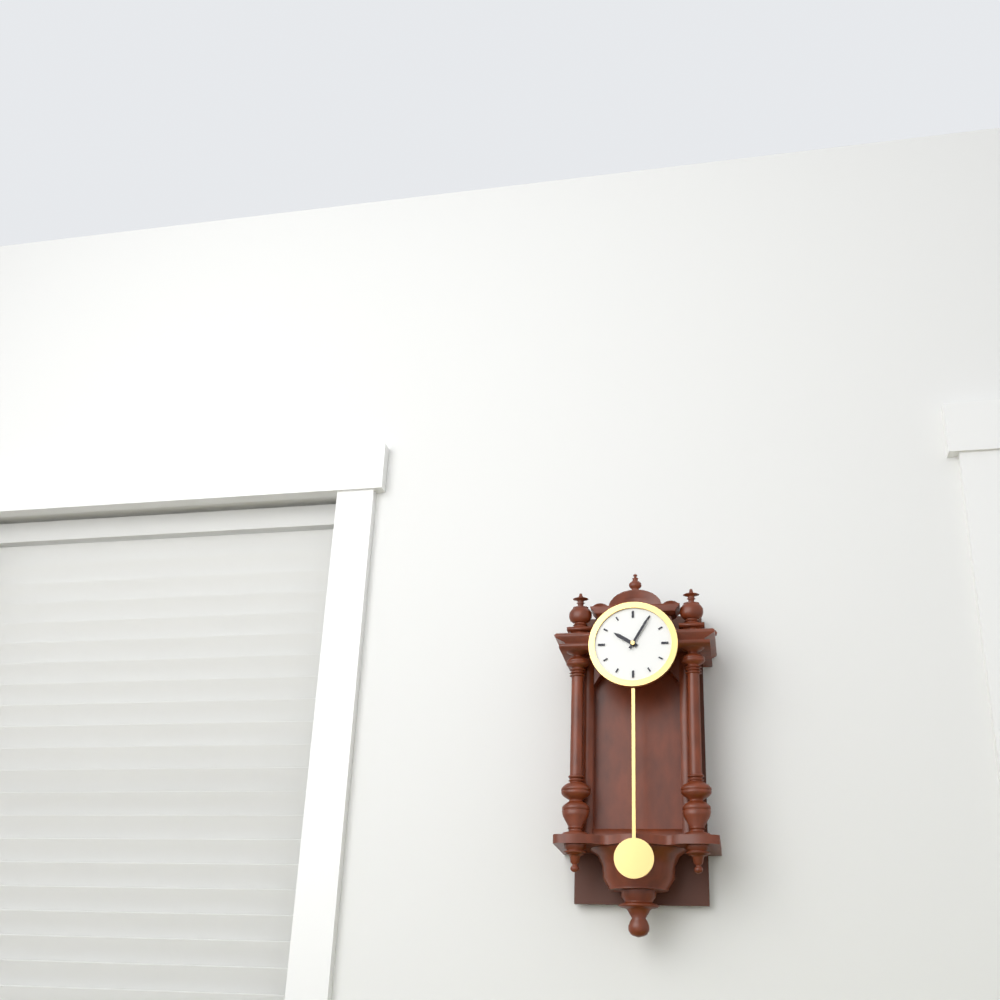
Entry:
h=10 m=5
